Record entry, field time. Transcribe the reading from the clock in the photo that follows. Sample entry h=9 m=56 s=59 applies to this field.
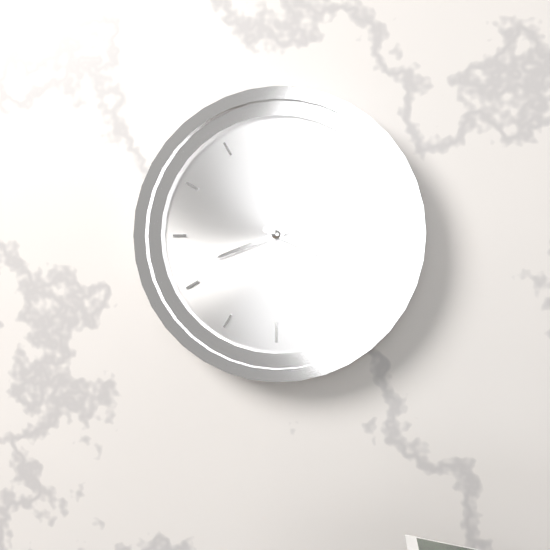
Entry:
h=8 m=19 s=3
